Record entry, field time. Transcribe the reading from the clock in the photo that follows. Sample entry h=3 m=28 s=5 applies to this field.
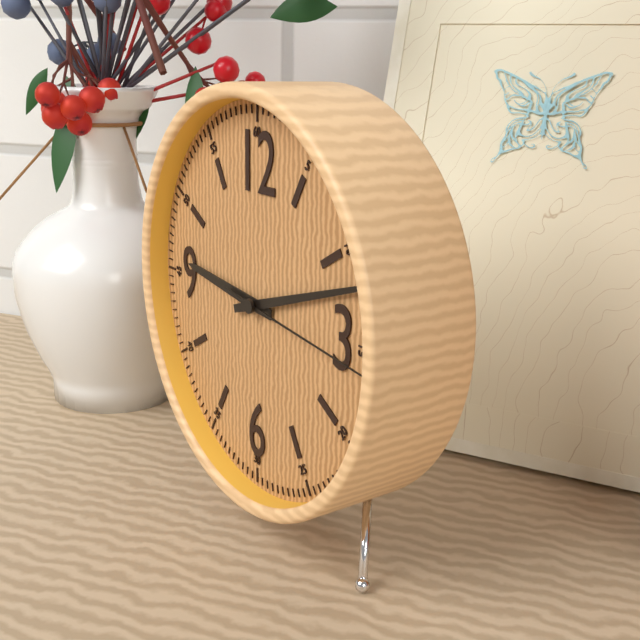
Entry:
h=9 m=12 s=16
